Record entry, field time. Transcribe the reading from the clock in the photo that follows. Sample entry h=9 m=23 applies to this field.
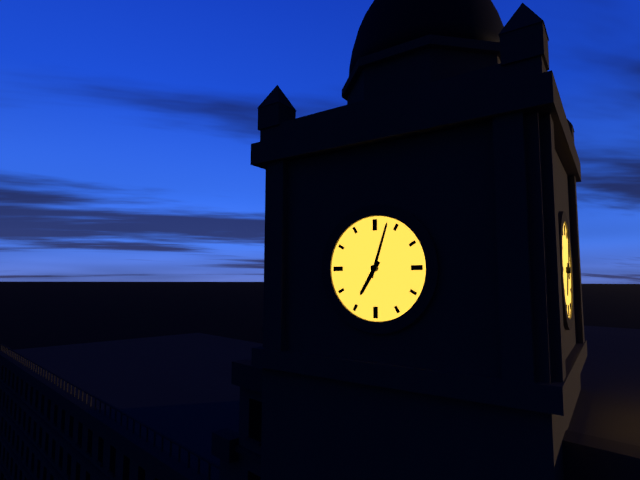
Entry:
h=7 m=3
